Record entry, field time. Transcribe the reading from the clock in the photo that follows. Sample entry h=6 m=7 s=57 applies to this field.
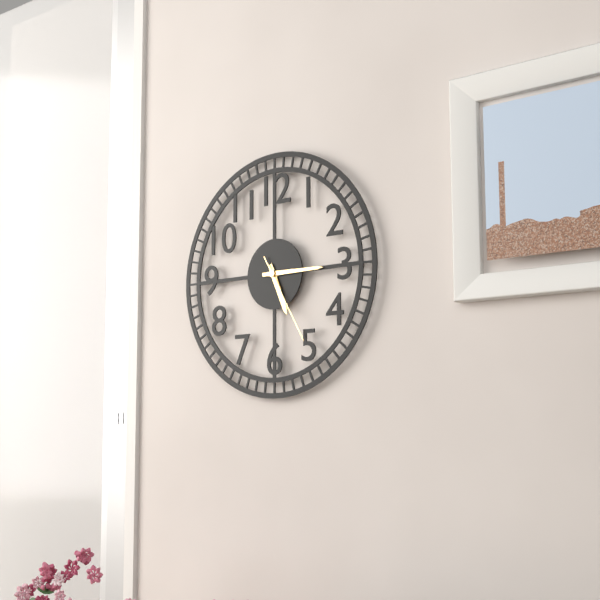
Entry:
h=5 m=15 s=25
